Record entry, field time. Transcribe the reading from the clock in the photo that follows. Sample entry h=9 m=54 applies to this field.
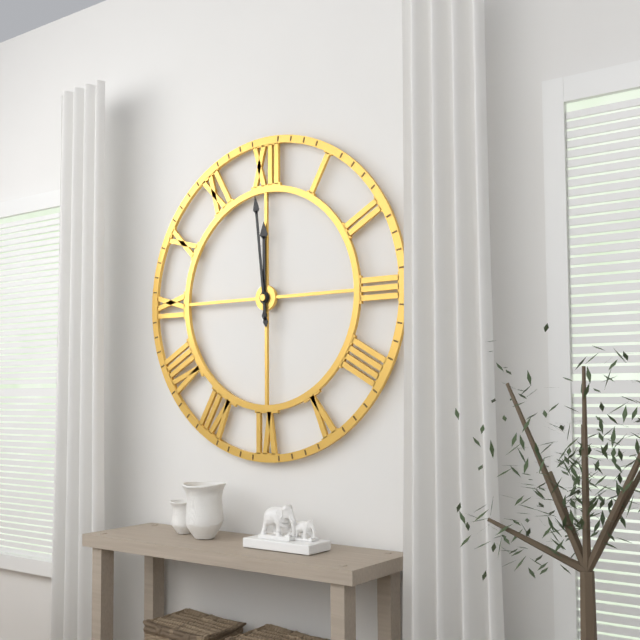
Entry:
h=11 m=59
